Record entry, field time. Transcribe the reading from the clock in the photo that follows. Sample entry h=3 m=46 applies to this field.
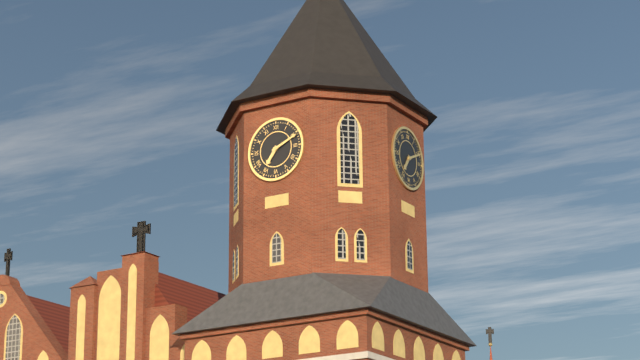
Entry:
h=7 m=11
